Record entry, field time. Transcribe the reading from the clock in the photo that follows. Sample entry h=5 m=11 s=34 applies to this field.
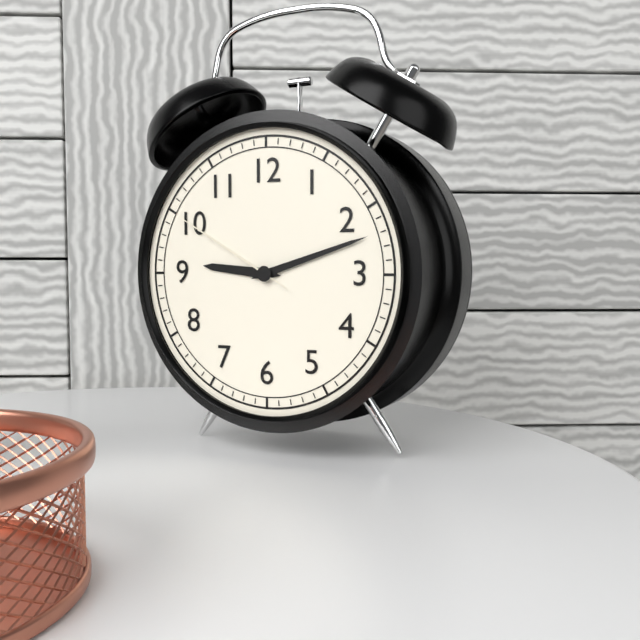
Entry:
h=9 m=12 s=50
